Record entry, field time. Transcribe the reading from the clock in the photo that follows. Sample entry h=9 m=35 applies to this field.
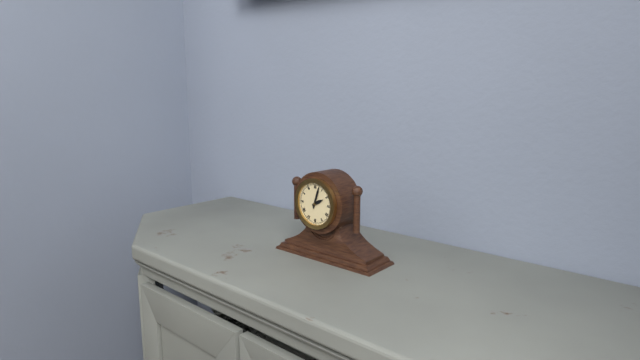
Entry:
h=2 m=3
